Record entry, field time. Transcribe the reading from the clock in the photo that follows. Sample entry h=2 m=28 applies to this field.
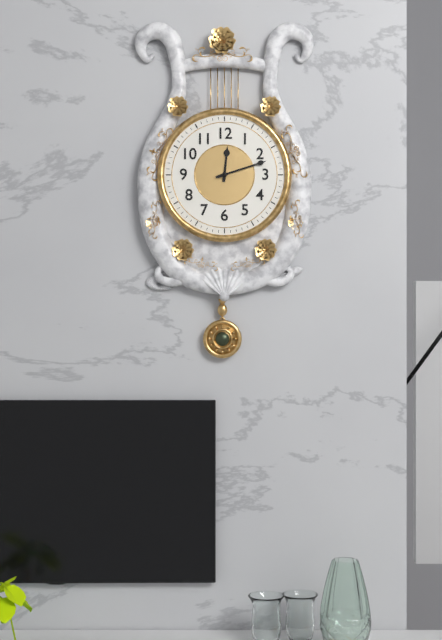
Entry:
h=12 m=12
